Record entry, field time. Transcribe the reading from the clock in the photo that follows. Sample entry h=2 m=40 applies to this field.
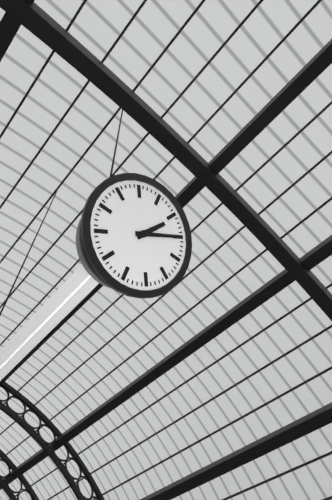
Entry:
h=1 m=10
